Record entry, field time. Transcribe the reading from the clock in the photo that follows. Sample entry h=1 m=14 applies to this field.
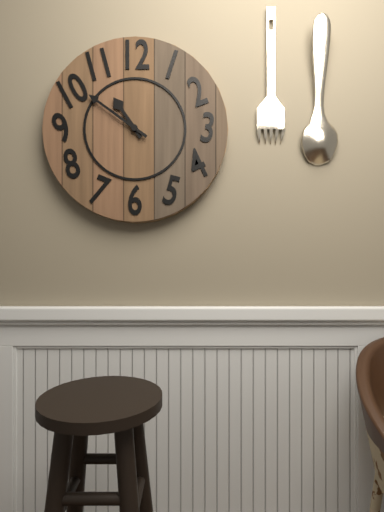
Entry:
h=10 m=51
